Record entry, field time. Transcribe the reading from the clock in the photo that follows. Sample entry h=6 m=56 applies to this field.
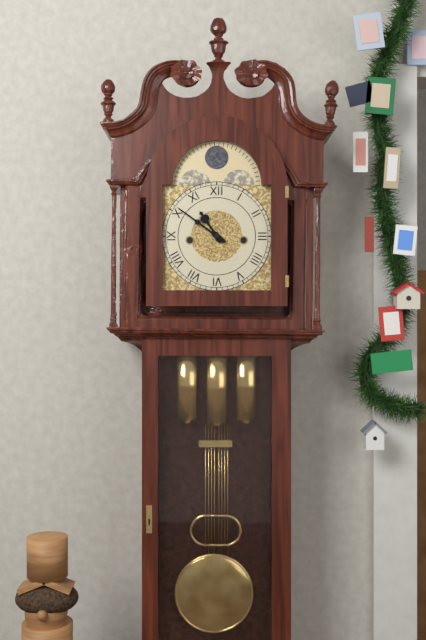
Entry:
h=10 m=51
